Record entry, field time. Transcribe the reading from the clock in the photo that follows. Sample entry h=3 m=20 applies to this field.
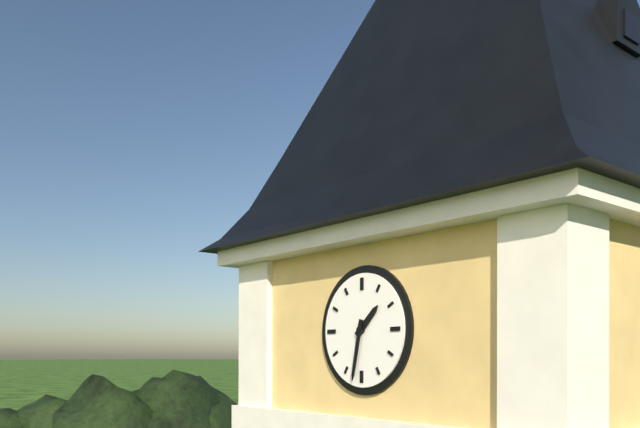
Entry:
h=1 m=32
